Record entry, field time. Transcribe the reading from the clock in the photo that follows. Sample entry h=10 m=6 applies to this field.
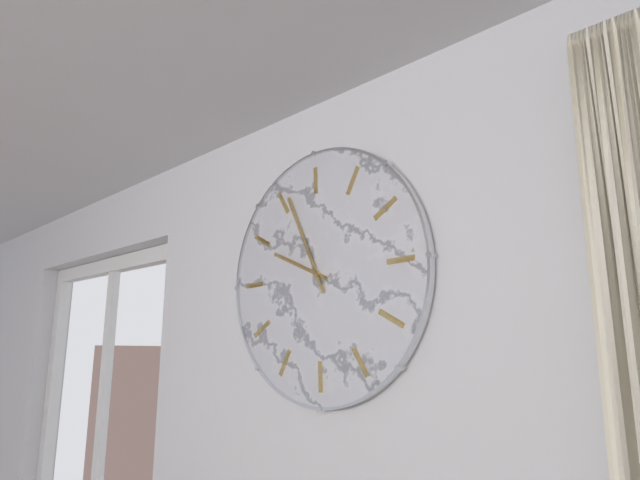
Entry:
h=8 m=51
